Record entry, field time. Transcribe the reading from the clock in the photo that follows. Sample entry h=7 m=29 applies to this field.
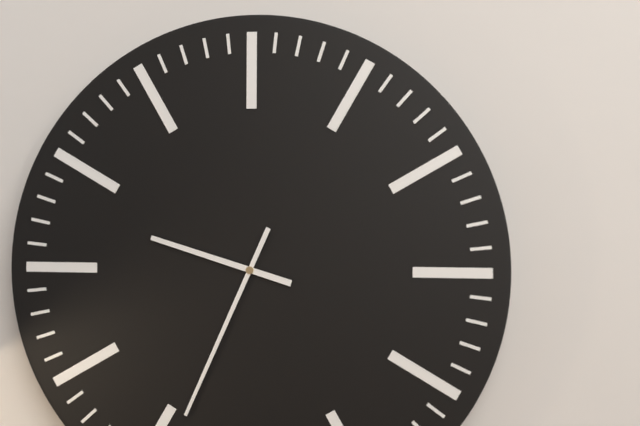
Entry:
h=9 m=34
